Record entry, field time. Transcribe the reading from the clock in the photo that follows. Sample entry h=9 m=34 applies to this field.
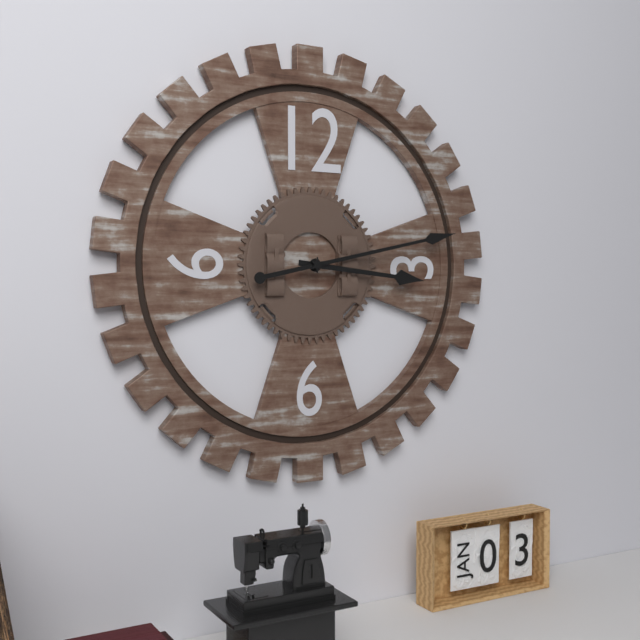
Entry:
h=3 m=13
